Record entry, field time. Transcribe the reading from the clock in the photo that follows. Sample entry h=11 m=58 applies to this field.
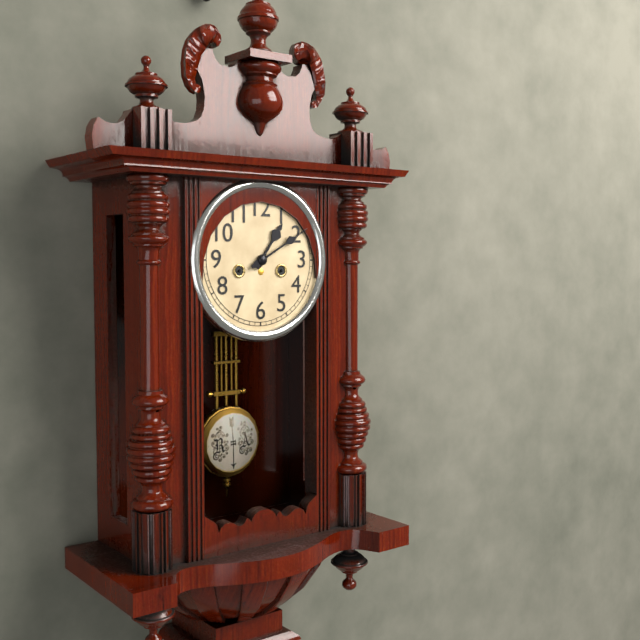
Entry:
h=1 m=10
